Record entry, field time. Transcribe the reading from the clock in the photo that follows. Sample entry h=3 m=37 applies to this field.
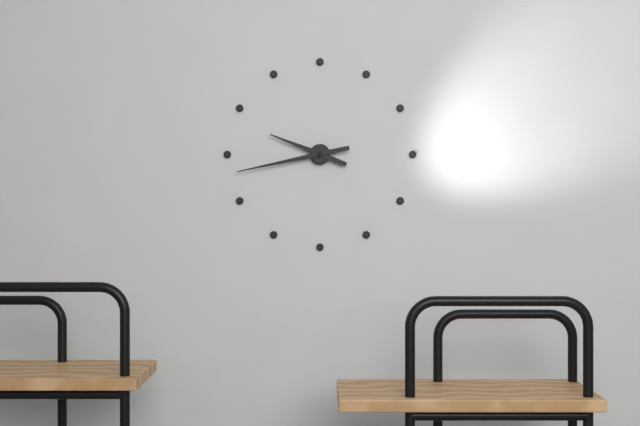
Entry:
h=9 m=43
